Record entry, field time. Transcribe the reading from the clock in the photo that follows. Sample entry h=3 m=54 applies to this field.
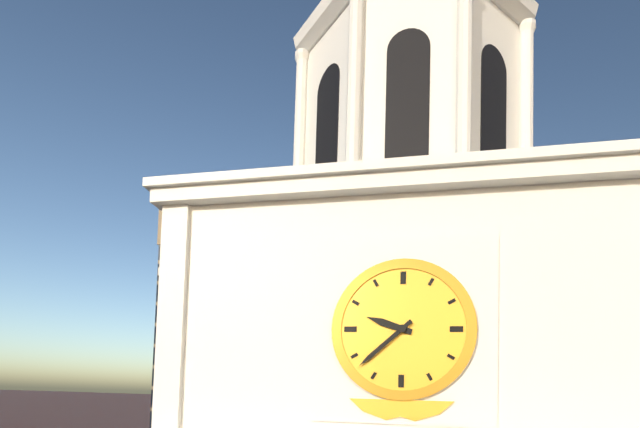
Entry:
h=9 m=38
